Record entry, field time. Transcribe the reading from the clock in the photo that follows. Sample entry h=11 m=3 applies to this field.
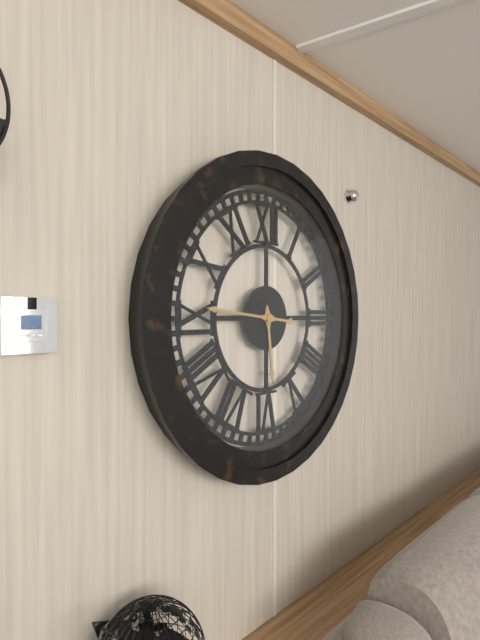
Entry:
h=5 m=46
